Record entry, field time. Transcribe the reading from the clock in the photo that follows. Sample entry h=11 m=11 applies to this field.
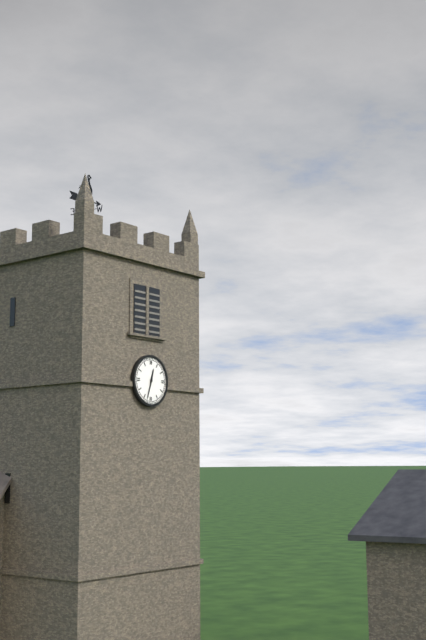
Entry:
h=12 m=33
